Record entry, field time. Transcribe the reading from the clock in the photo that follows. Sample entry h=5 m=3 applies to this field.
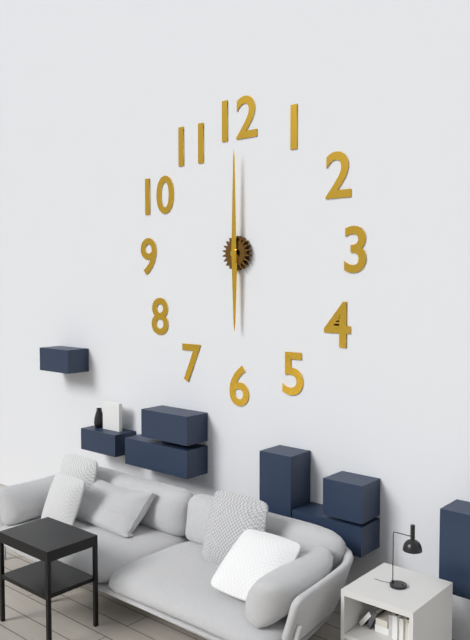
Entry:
h=6 m=0
